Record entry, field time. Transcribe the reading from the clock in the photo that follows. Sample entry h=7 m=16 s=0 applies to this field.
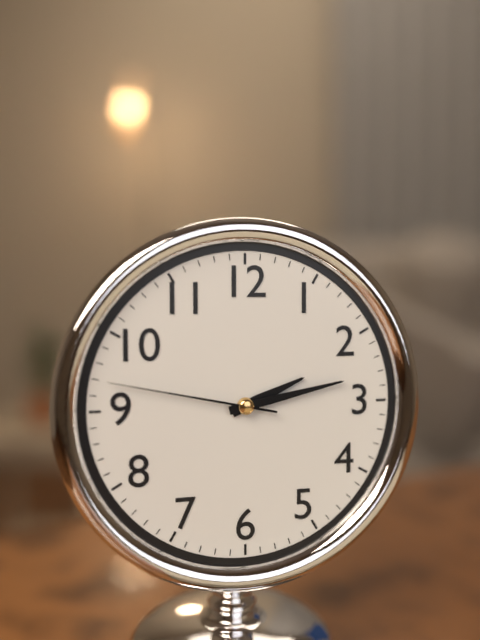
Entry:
h=2 m=13 s=47
